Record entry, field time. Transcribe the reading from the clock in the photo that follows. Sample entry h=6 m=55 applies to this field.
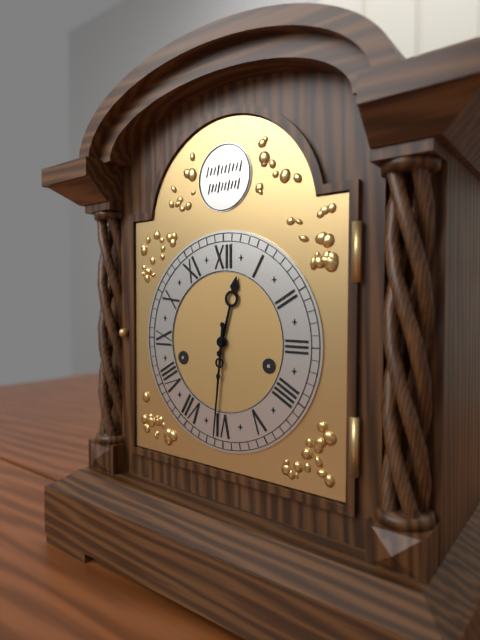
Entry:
h=12 m=31
